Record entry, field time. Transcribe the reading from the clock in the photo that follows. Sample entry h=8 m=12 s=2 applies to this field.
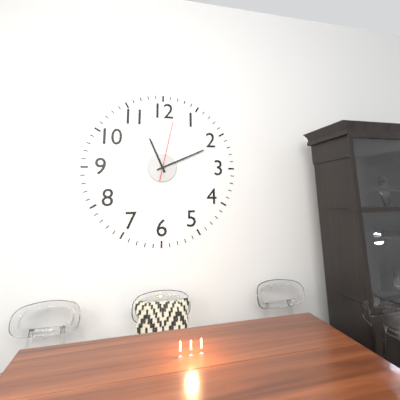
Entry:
h=11 m=11 s=2
